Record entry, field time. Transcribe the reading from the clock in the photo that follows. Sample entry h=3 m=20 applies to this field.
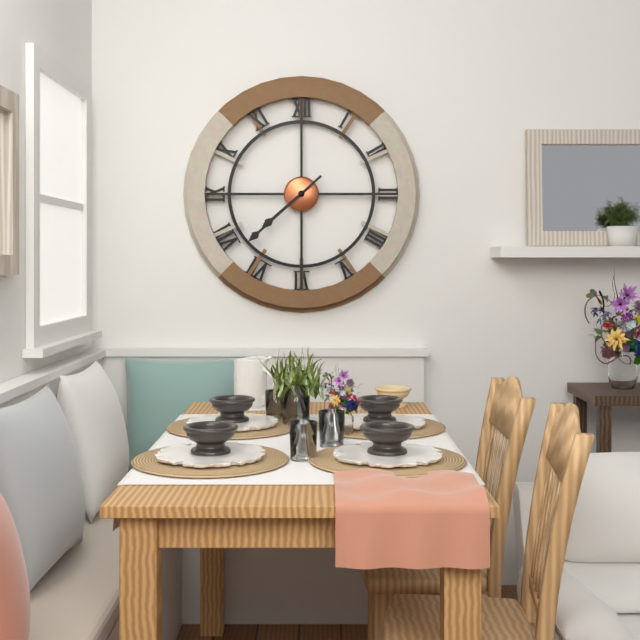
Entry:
h=7 m=38
